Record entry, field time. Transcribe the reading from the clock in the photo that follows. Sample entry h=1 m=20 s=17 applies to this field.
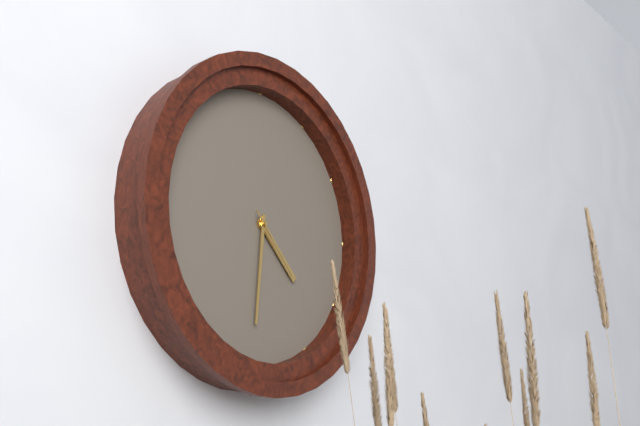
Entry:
h=4 m=31 s=23
